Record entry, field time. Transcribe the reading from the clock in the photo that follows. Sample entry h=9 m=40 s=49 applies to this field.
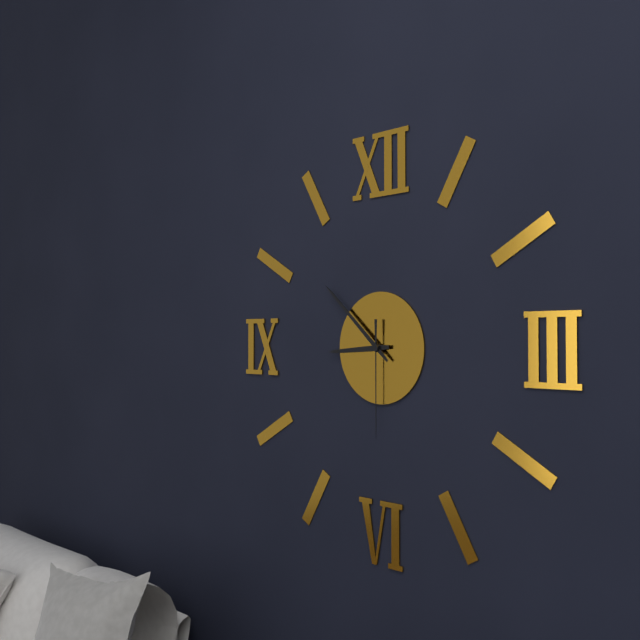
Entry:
h=8 m=52 s=30
